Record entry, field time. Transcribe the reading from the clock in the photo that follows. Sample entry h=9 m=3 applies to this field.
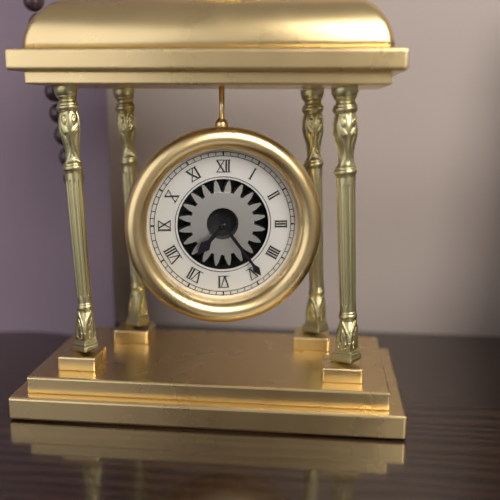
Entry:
h=7 m=24
